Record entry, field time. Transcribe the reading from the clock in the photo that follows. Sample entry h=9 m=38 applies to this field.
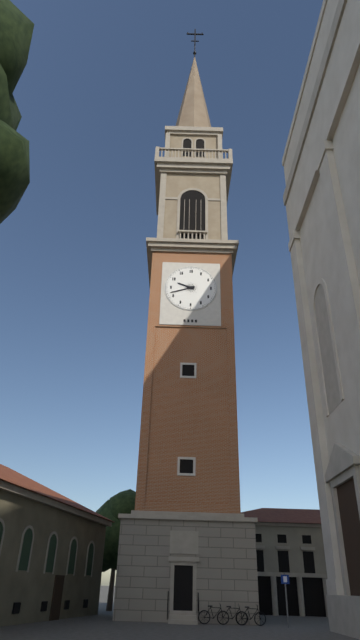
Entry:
h=9 m=42
